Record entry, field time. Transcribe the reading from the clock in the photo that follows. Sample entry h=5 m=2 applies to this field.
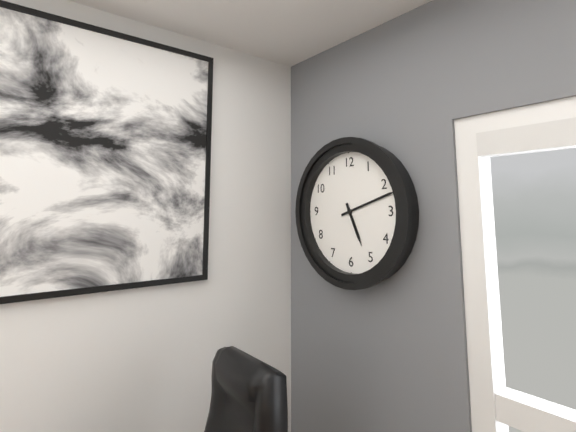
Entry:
h=5 m=12
